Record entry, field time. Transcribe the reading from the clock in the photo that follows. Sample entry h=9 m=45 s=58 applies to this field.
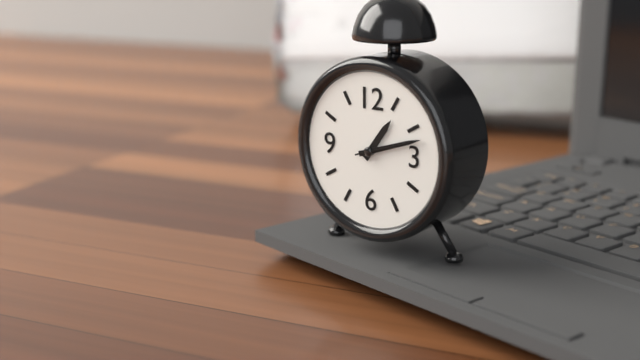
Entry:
h=1 m=12 s=12
